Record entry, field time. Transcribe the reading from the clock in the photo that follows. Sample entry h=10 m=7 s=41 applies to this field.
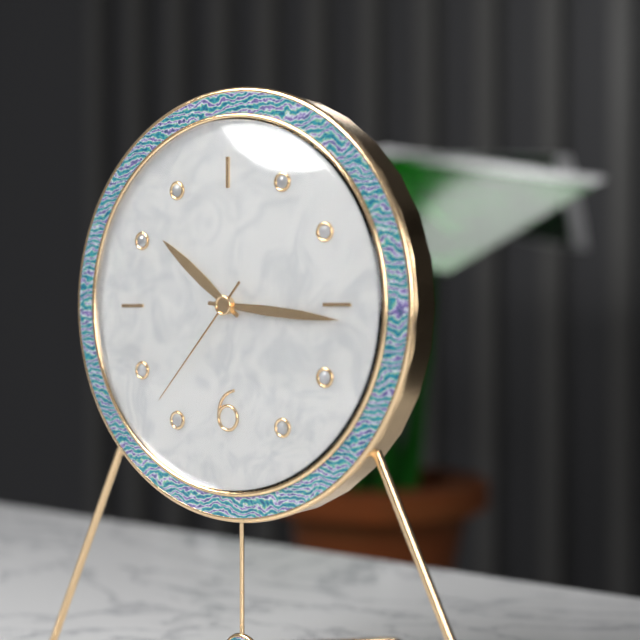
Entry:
h=10 m=16 s=37
